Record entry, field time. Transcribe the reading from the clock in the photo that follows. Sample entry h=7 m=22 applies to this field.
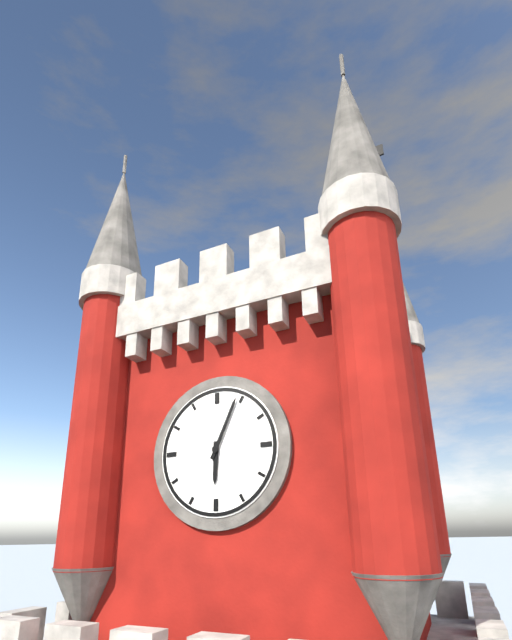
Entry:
h=6 m=4
